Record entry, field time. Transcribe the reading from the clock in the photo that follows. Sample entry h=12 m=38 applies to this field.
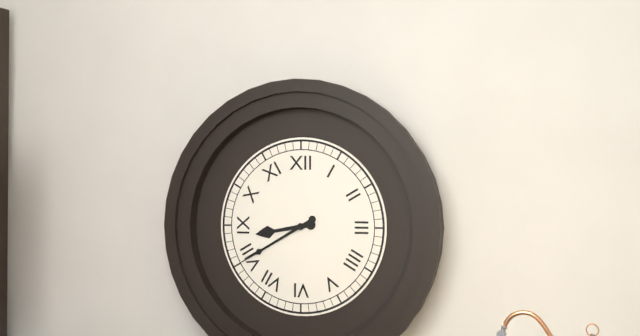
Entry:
h=8 m=40
